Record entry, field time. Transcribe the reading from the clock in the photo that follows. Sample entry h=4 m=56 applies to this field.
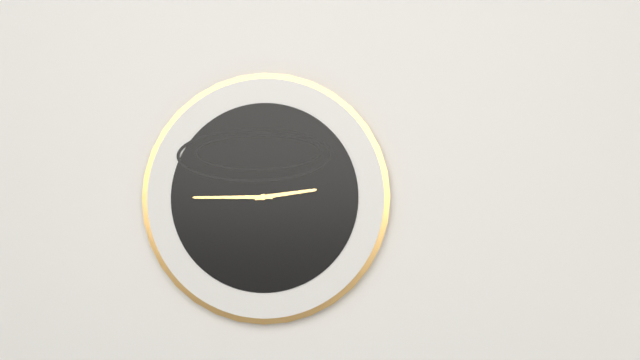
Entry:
h=2 m=45
